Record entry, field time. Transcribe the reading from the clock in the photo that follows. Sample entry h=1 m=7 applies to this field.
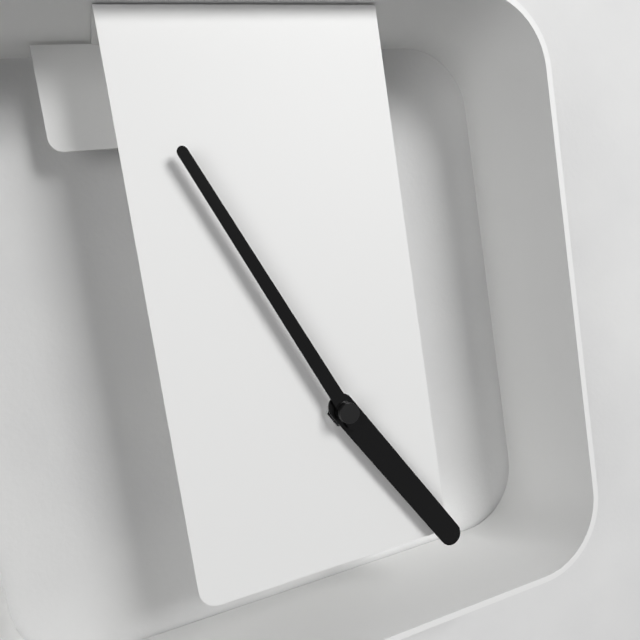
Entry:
h=4 m=56
